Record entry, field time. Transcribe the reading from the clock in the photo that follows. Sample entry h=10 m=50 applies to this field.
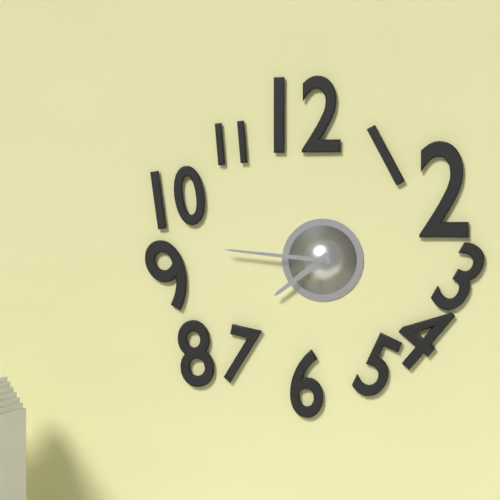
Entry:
h=7 m=46
